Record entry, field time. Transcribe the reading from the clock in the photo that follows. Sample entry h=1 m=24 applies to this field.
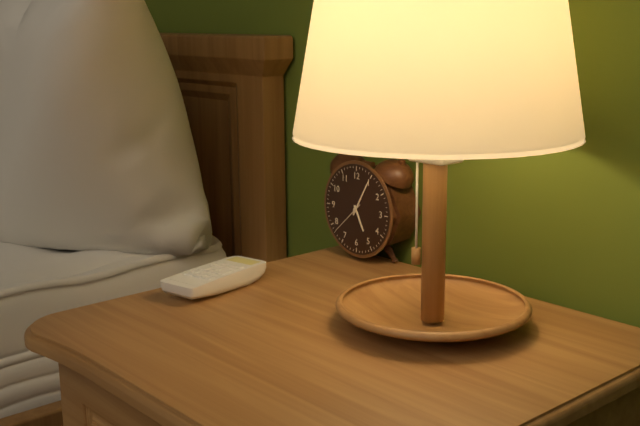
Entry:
h=5 m=5
